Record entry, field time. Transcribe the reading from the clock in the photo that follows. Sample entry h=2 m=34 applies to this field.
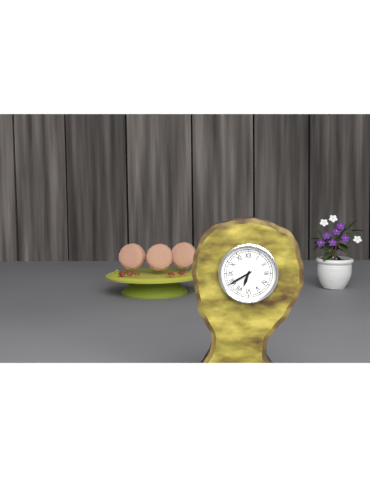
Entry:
h=6 m=40
